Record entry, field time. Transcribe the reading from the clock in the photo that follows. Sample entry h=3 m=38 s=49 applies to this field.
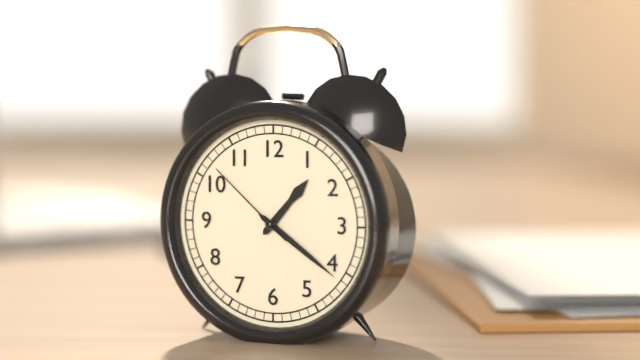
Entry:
h=1 m=21 s=52
